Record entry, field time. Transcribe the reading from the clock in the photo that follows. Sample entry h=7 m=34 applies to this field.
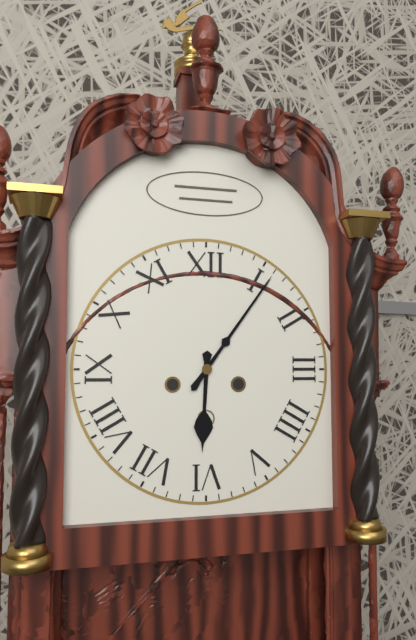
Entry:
h=6 m=6
